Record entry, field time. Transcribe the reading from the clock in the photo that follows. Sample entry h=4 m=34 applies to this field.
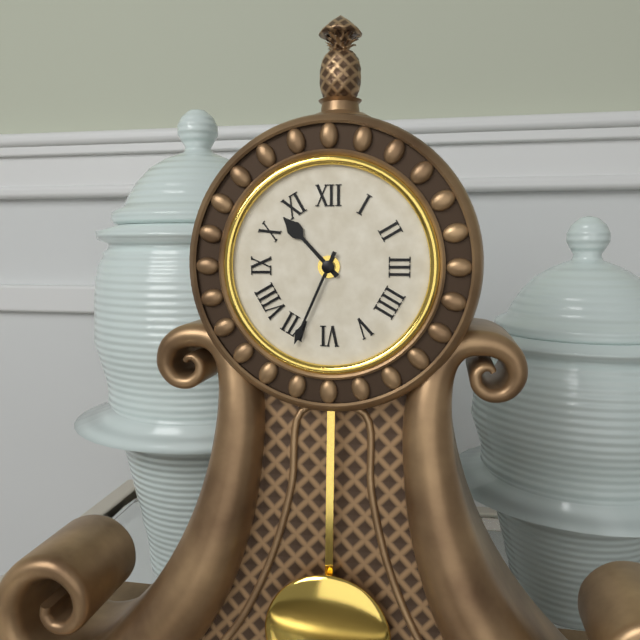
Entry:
h=10 m=34
